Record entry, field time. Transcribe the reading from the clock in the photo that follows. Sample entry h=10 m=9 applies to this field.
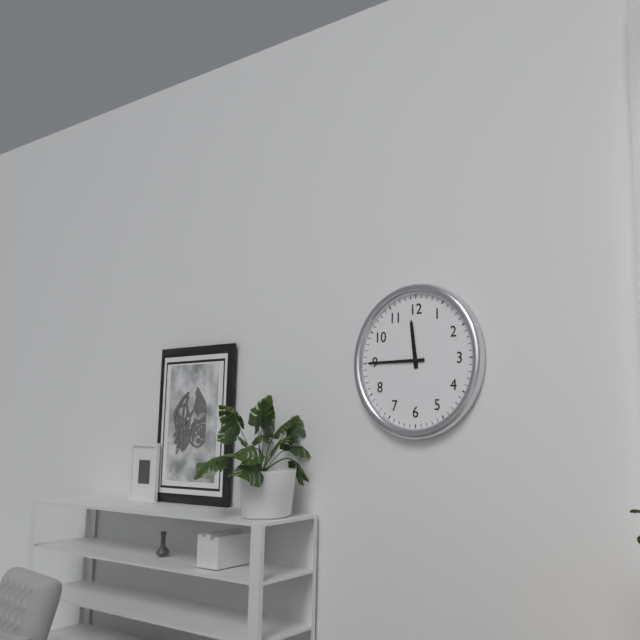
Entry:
h=11 m=45
